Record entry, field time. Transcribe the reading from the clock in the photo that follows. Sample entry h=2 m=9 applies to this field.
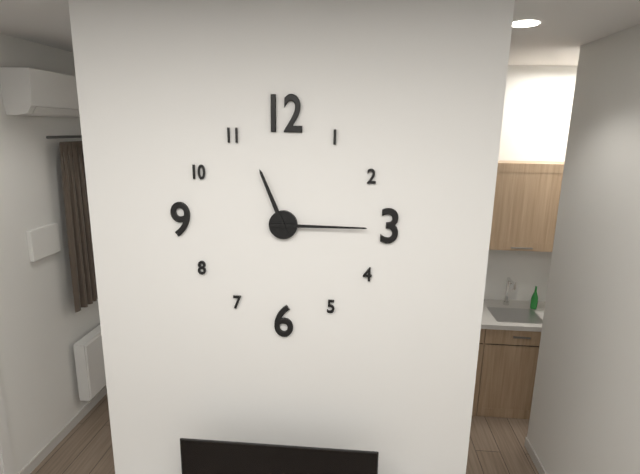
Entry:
h=11 m=15
